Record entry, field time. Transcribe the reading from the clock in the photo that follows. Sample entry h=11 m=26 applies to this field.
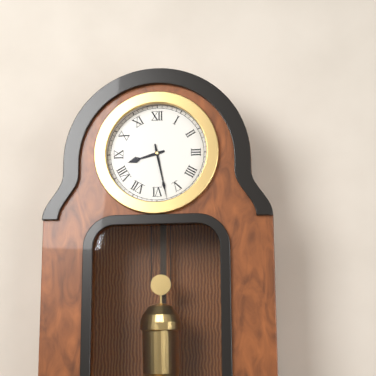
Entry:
h=8 m=28
